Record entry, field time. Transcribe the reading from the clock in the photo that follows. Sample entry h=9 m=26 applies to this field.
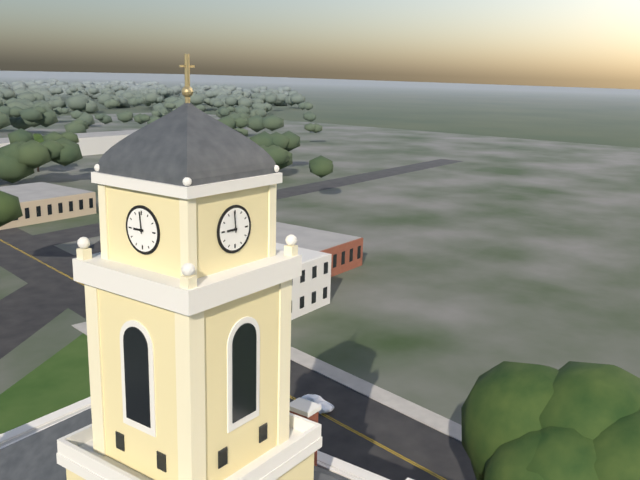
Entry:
h=8 m=59
